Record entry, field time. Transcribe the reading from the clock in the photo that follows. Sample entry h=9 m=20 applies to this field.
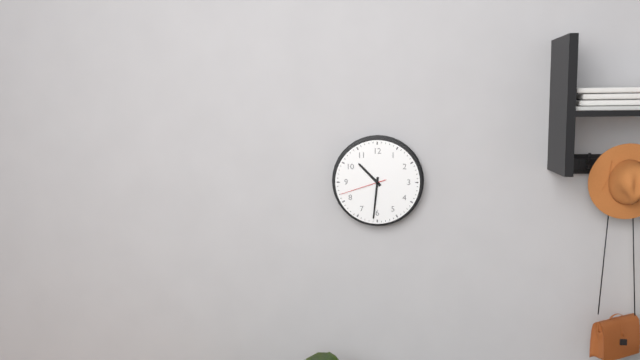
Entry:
h=10 m=31
